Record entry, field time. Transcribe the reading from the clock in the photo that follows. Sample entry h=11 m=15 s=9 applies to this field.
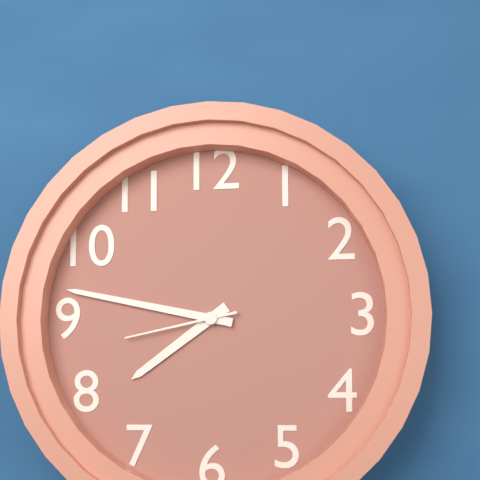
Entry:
h=7 m=47 s=43
